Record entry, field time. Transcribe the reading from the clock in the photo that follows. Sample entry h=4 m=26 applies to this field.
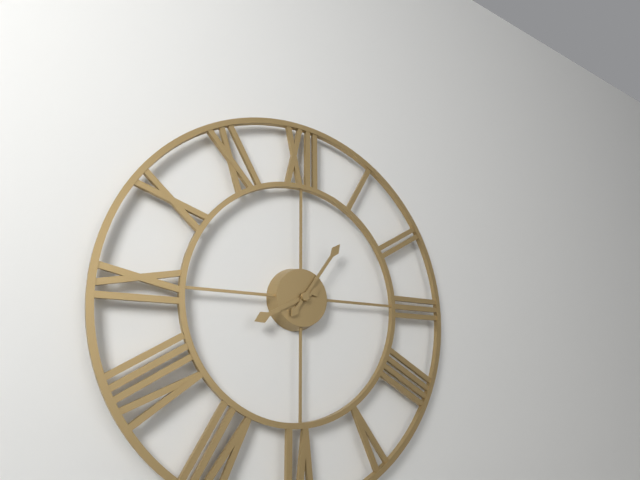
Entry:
h=8 m=6
